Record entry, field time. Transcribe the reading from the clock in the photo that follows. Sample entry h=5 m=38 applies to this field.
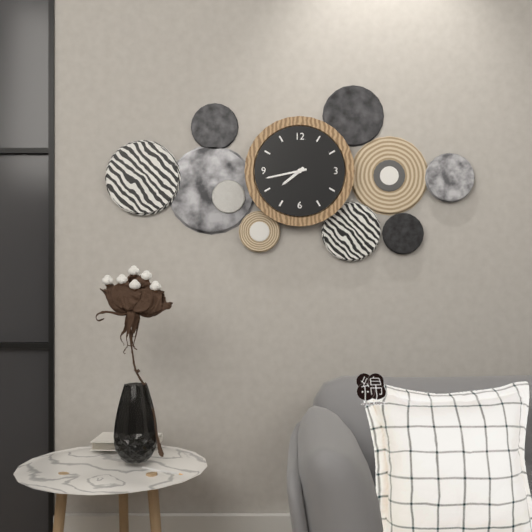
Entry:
h=7 m=43
